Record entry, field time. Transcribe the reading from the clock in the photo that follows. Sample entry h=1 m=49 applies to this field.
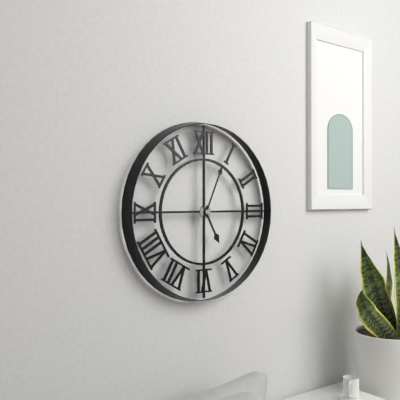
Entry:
h=5 m=4
